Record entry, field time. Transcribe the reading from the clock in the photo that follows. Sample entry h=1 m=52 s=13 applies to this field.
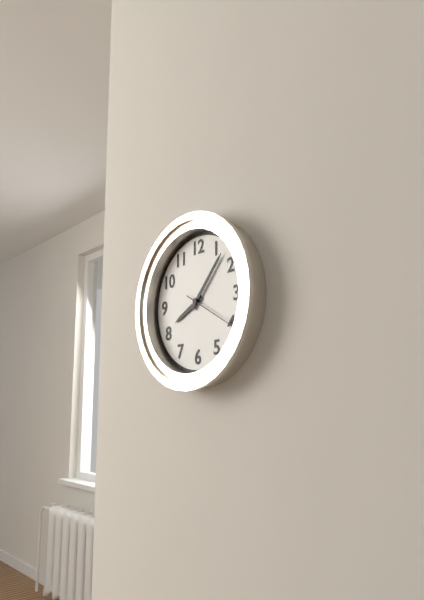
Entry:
h=8 m=7 s=20
